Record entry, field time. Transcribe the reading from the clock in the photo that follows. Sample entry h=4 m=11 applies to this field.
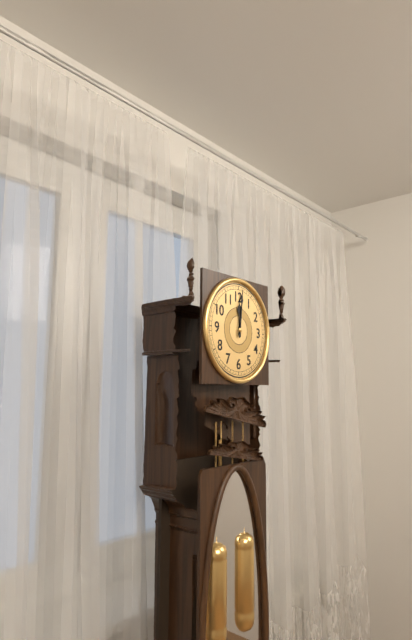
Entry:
h=12 m=1
